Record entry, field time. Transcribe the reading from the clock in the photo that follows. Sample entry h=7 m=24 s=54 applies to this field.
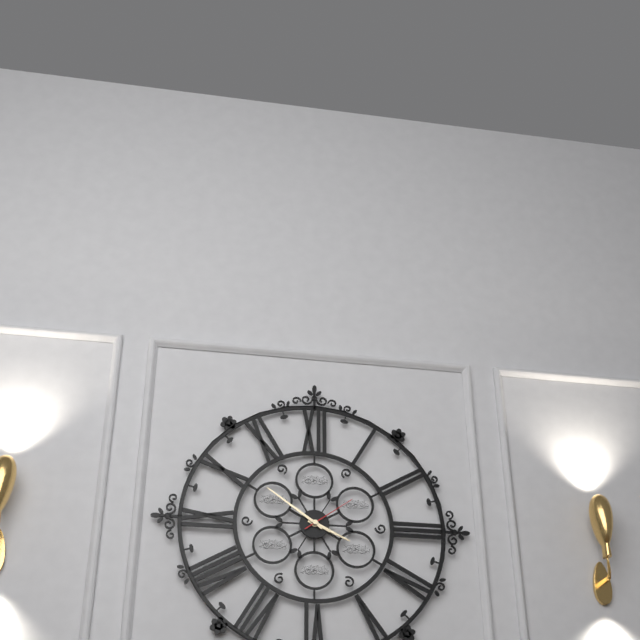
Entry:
h=3 m=51 s=9
